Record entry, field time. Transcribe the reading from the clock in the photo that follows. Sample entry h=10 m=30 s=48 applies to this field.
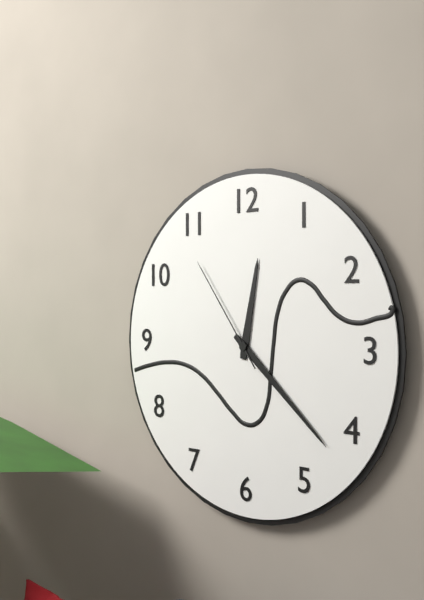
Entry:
h=12 m=22 s=54
